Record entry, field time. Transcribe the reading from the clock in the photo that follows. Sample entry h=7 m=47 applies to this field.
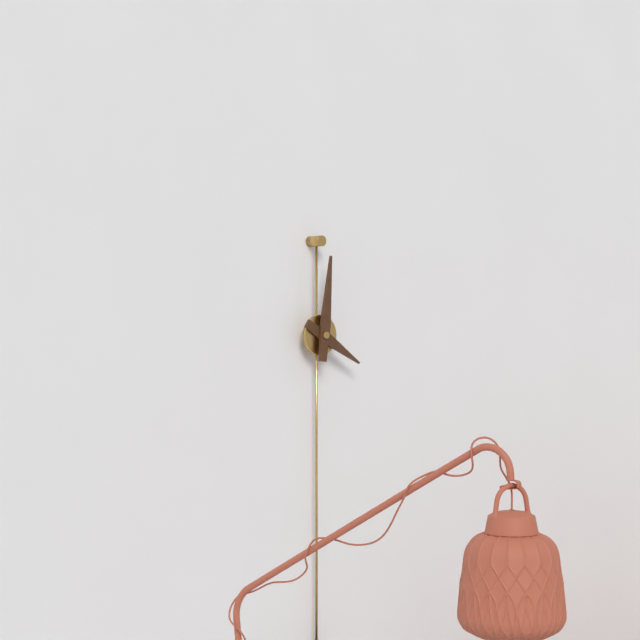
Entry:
h=4 m=1
